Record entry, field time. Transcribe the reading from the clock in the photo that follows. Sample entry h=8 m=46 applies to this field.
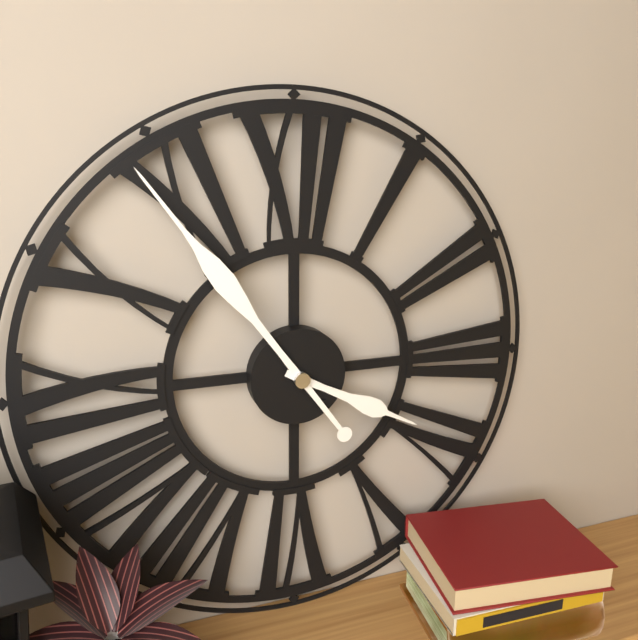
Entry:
h=3 m=54
